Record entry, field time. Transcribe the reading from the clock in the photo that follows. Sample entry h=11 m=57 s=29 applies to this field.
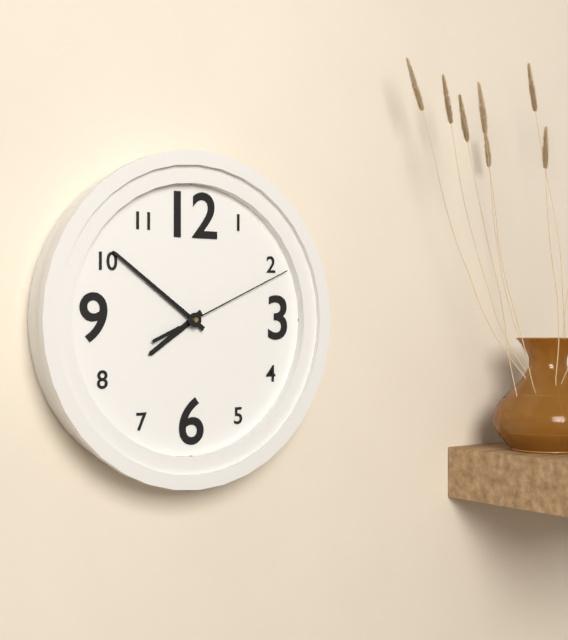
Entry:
h=7 m=51 s=11
